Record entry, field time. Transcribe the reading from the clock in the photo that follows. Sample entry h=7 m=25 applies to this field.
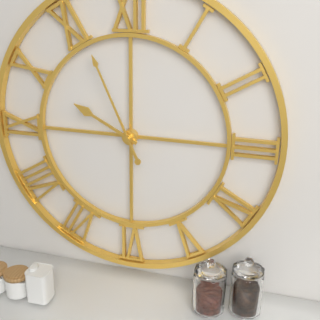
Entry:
h=9 m=56
